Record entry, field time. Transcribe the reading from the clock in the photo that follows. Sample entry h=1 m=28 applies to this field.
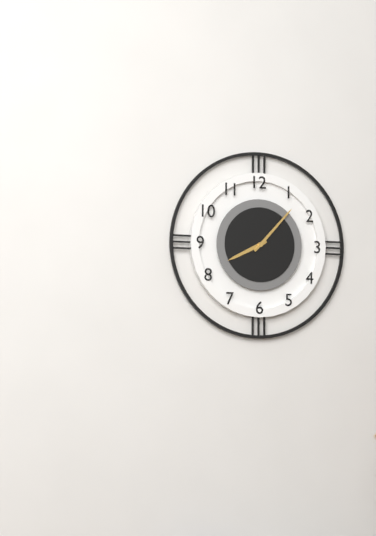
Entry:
h=8 m=7
